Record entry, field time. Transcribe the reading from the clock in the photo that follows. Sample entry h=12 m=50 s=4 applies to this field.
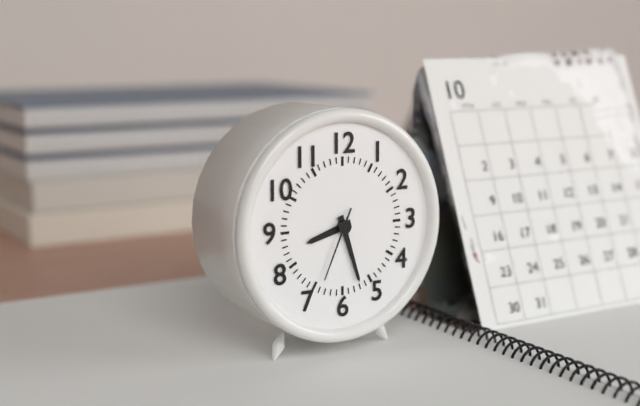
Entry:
h=8 m=27 s=34
